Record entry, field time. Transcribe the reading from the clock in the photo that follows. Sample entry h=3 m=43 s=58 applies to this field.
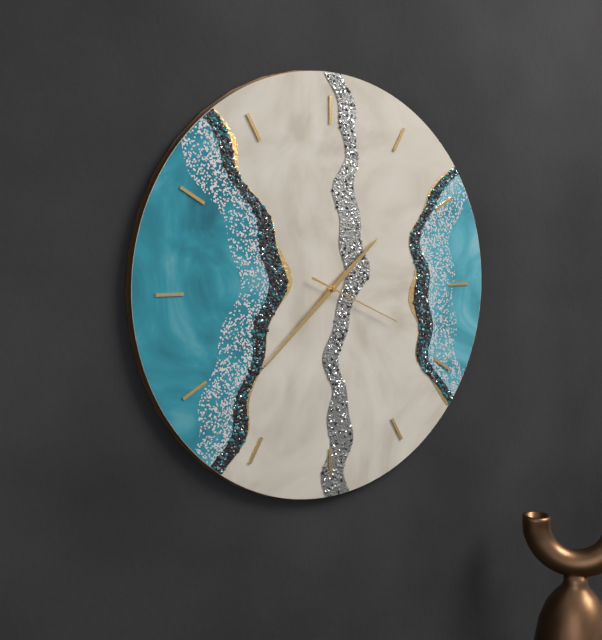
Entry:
h=1 m=38 s=19
